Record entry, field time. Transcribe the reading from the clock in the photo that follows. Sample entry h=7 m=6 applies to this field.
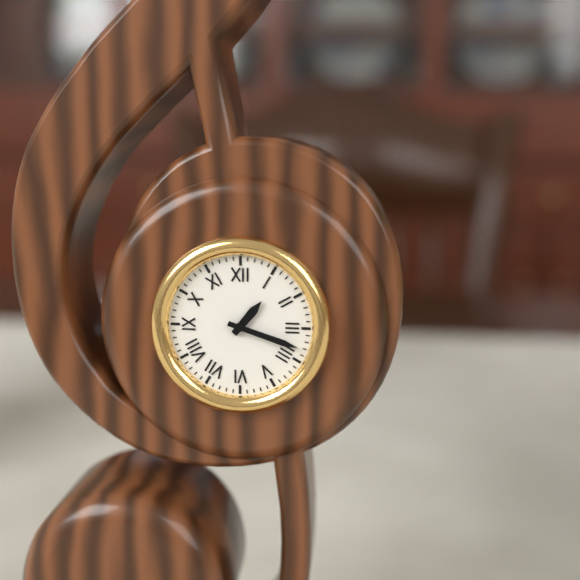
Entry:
h=1 m=18
